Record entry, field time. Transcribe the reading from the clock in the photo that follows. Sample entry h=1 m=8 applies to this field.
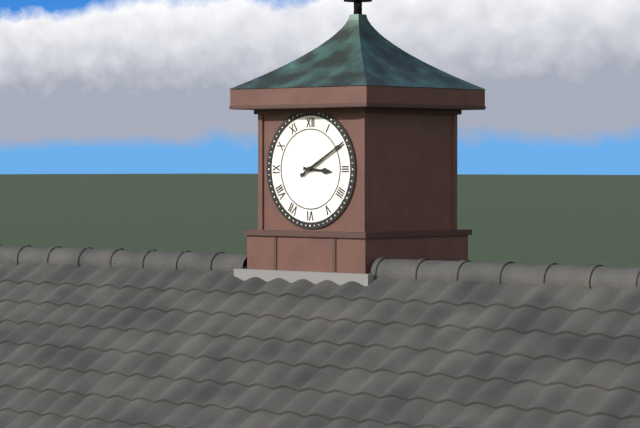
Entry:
h=3 m=10
